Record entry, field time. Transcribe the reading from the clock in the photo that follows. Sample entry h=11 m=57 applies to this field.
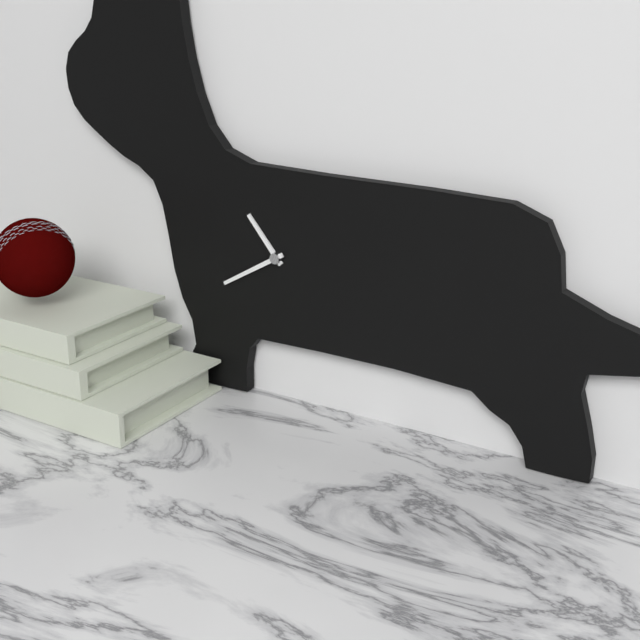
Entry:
h=10 m=40
